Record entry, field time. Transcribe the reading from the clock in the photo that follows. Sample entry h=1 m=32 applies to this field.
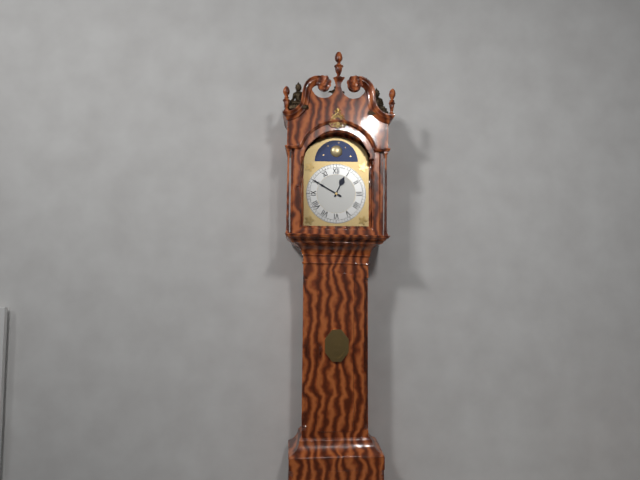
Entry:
h=12 m=50
